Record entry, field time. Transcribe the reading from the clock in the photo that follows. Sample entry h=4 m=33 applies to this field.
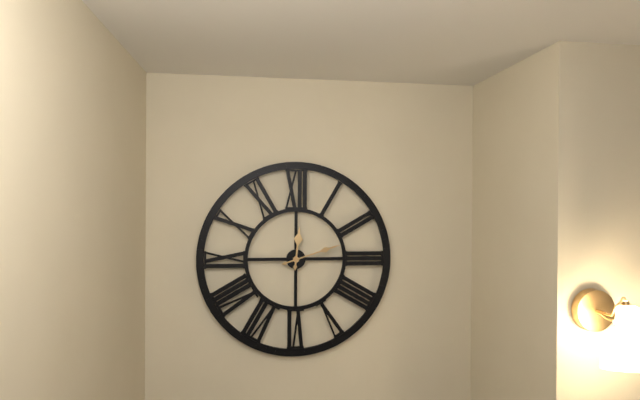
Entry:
h=12 m=12
